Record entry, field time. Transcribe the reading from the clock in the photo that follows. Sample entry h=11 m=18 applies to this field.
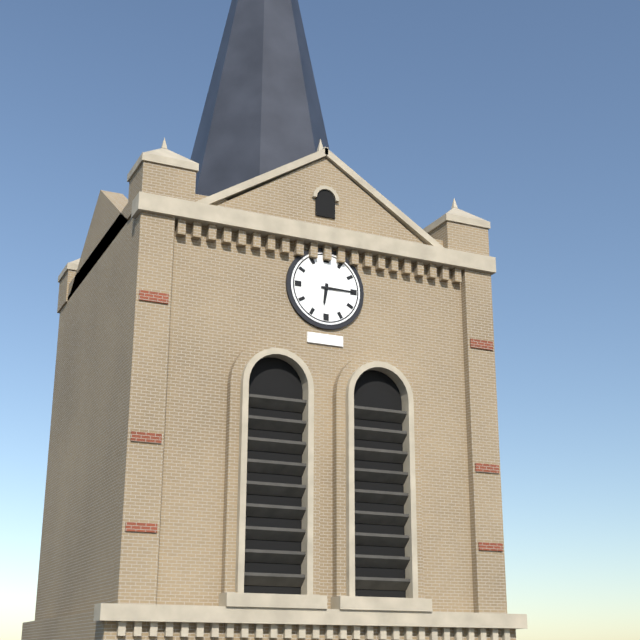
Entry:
h=6 m=15
